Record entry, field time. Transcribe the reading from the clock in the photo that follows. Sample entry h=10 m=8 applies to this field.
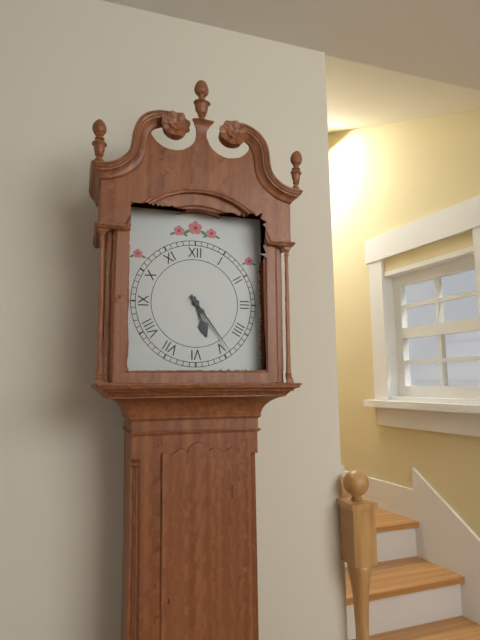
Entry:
h=5 m=24
